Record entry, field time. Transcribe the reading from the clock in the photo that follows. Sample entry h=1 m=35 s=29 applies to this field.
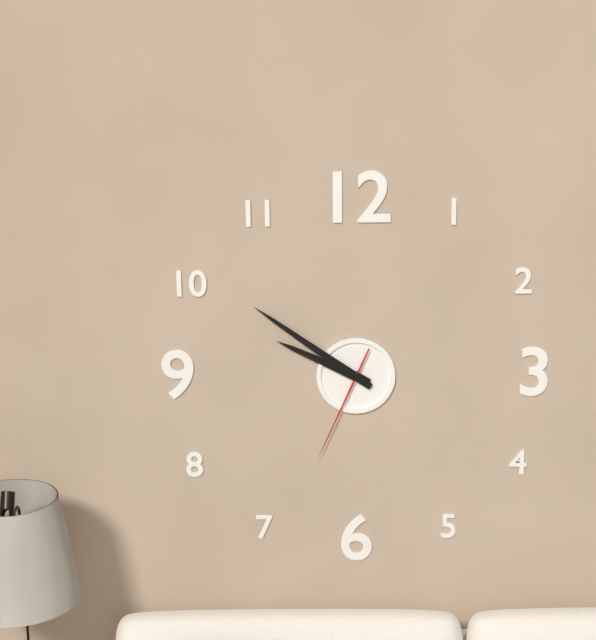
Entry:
h=9 m=51 s=34
